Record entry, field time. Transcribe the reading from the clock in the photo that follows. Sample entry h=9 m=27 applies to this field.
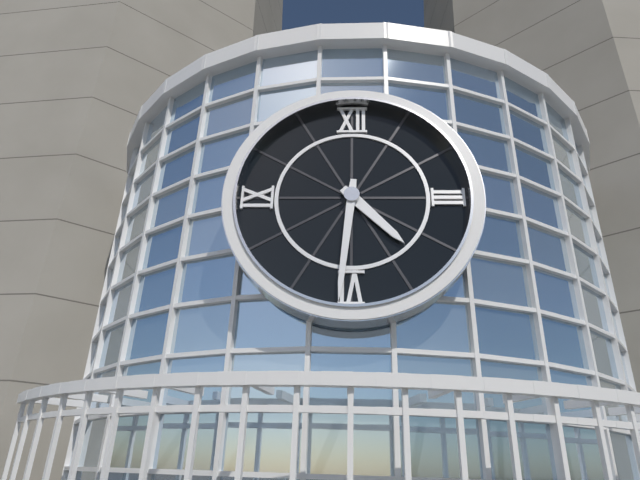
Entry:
h=4 m=31
